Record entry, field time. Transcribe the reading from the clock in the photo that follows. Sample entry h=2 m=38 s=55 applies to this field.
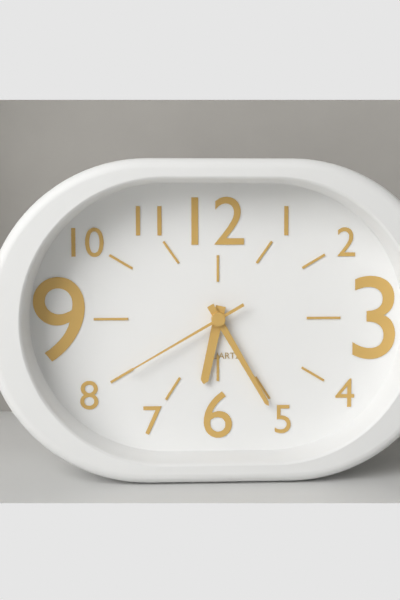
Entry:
h=6 m=25 s=40
